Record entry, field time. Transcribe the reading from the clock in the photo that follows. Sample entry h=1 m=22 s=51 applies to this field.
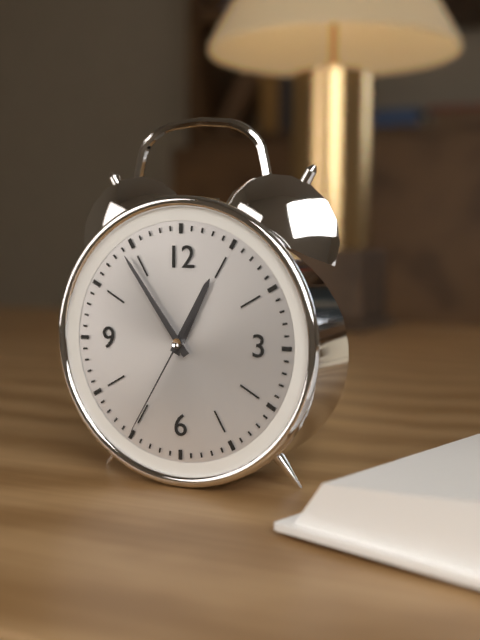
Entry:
h=12 m=54 s=35
